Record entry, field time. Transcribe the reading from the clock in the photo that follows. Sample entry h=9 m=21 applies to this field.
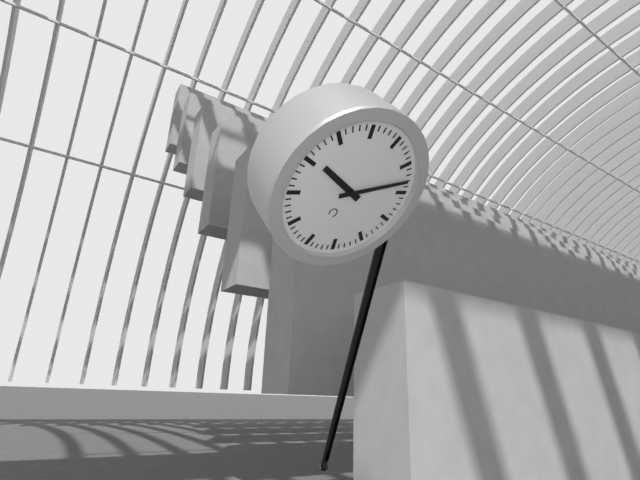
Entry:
h=9 m=8
